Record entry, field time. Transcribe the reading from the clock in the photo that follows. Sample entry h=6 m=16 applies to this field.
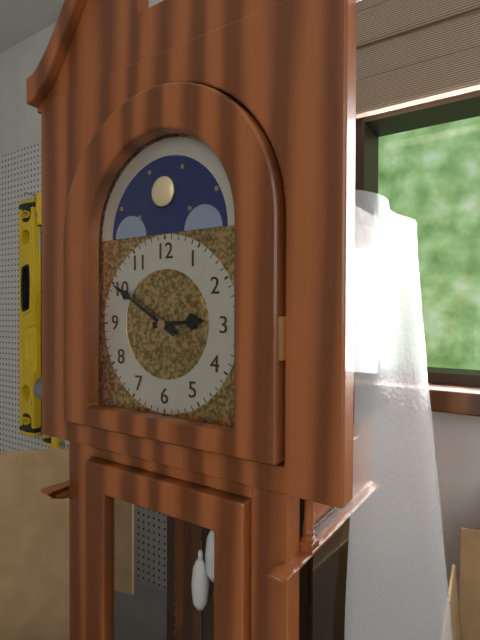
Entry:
h=2 m=50
